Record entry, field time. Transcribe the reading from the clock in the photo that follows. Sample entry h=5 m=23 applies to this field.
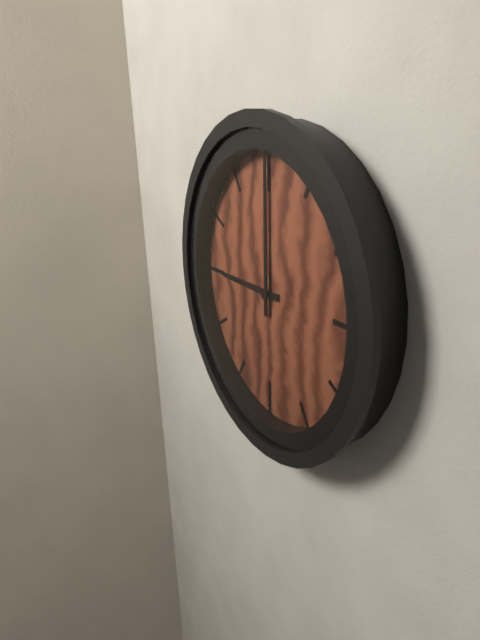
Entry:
h=9 m=0
